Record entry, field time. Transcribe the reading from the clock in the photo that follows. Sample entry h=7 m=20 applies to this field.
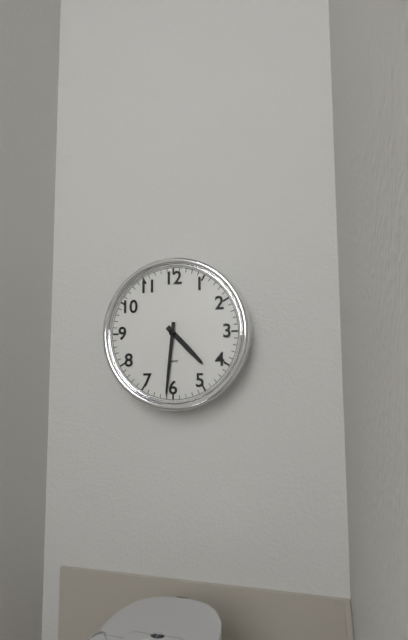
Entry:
h=4 m=31
